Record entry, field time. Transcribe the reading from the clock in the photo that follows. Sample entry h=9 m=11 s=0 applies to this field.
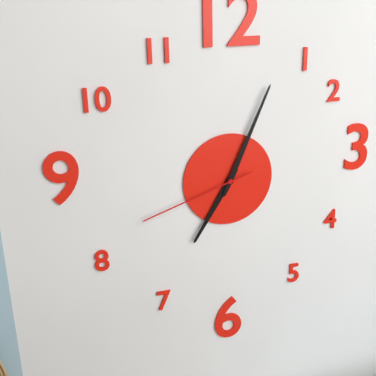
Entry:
h=7 m=4 s=42
